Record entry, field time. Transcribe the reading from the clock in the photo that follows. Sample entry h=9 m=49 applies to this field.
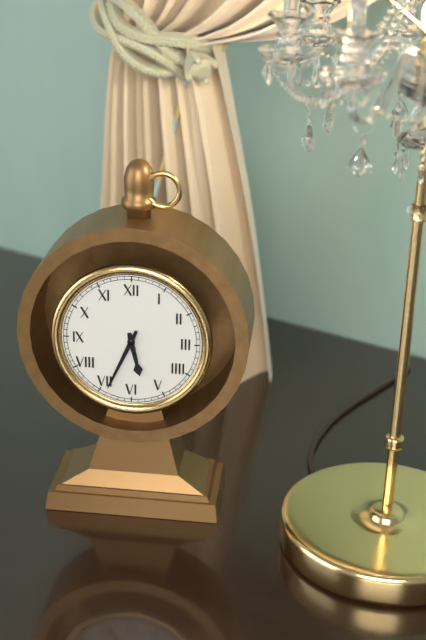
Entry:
h=5 m=34
